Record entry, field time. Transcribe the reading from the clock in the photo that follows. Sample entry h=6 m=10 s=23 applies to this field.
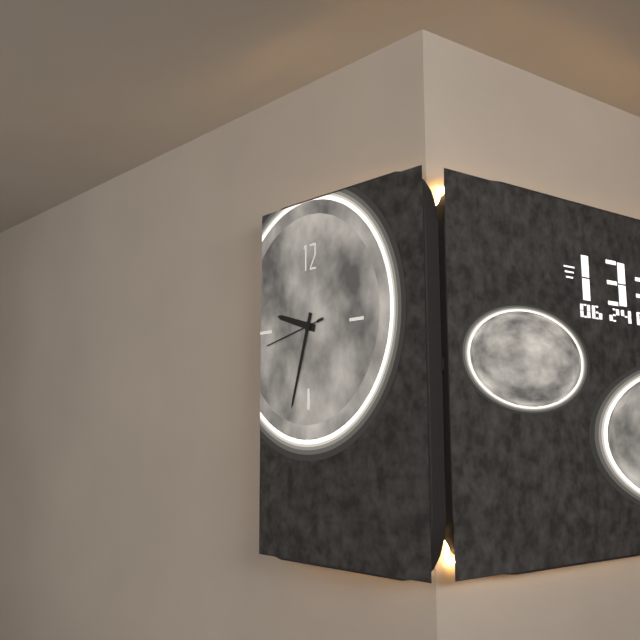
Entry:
h=9 m=33 s=43
